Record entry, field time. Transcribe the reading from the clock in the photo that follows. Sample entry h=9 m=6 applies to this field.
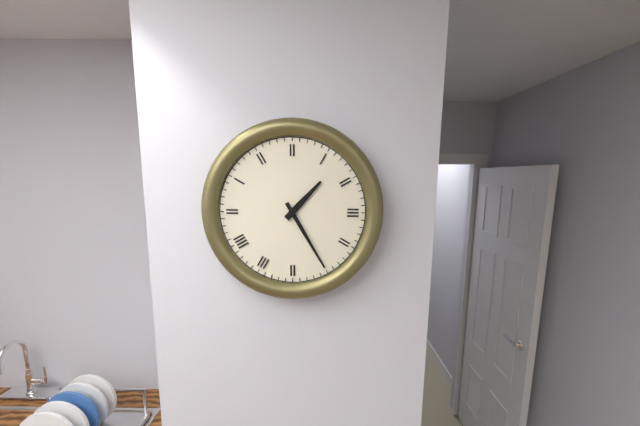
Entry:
h=1 m=25
